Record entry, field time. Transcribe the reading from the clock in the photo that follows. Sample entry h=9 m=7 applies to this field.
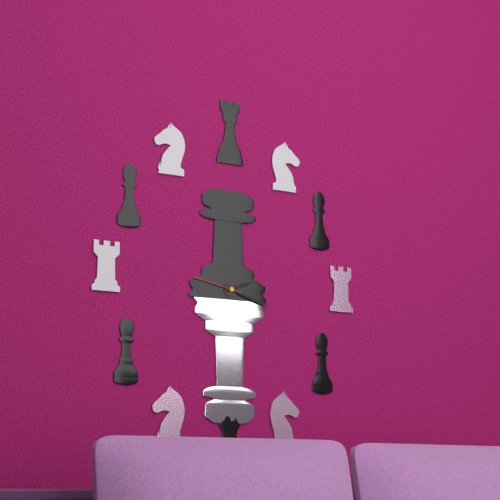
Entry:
h=2 m=18
